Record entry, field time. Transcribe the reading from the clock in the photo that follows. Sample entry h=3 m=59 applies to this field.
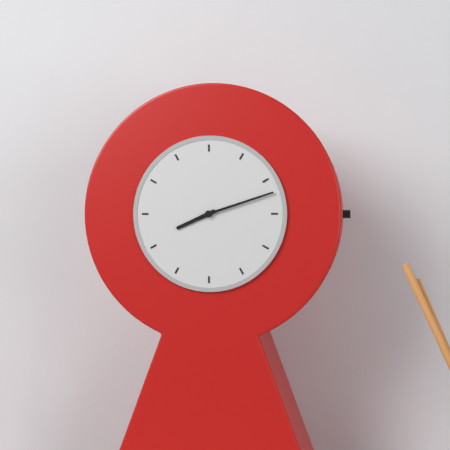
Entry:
h=8 m=12
